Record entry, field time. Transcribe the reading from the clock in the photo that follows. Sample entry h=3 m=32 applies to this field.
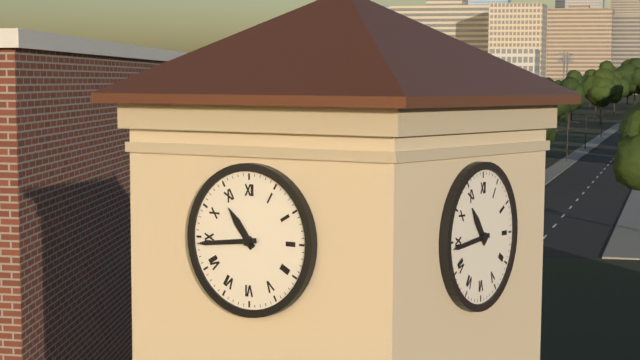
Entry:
h=10 m=44
